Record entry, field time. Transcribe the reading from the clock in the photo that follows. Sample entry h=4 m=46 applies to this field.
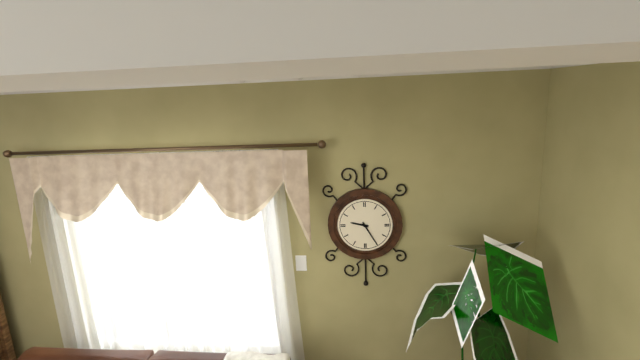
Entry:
h=9 m=25
